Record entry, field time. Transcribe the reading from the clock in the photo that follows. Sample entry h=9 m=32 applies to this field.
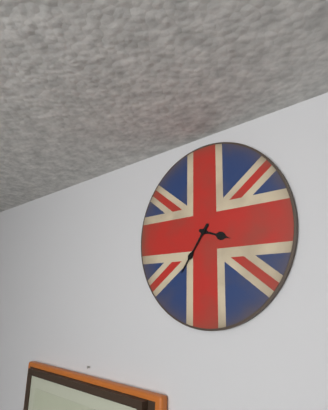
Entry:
h=3 m=36
